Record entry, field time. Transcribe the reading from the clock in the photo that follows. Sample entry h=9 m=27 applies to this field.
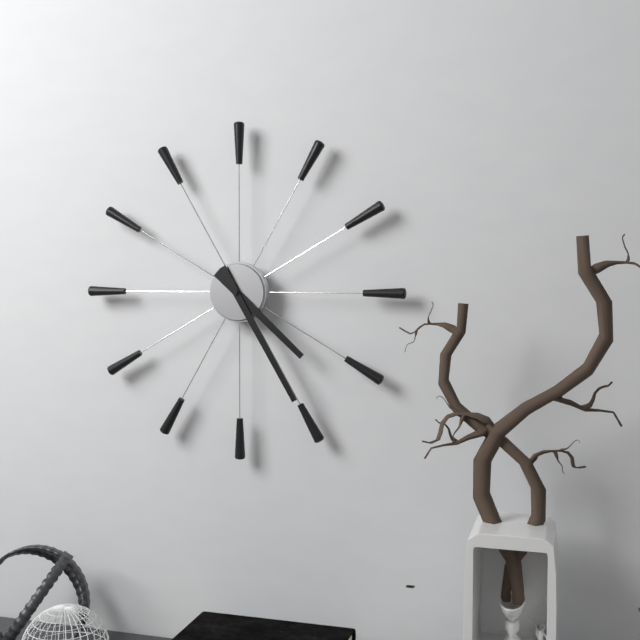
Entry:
h=4 m=25
